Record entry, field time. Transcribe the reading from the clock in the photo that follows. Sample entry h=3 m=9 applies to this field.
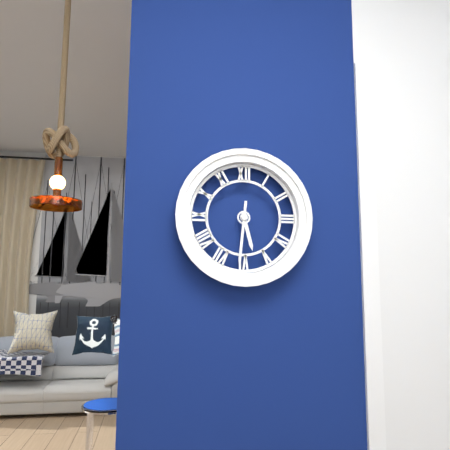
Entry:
h=5 m=31
